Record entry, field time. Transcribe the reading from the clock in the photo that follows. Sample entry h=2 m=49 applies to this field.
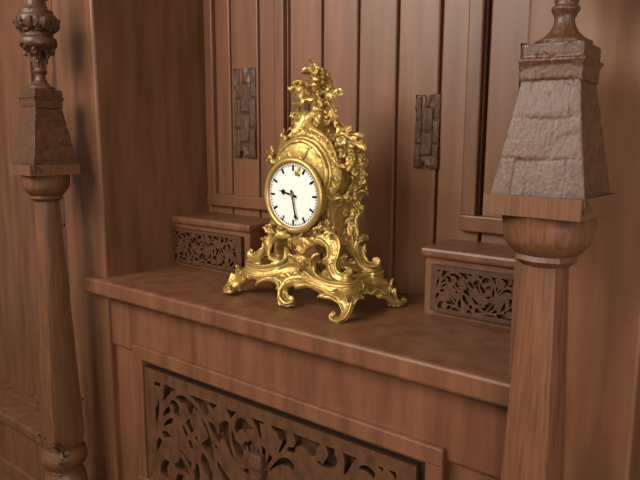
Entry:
h=9 m=28
